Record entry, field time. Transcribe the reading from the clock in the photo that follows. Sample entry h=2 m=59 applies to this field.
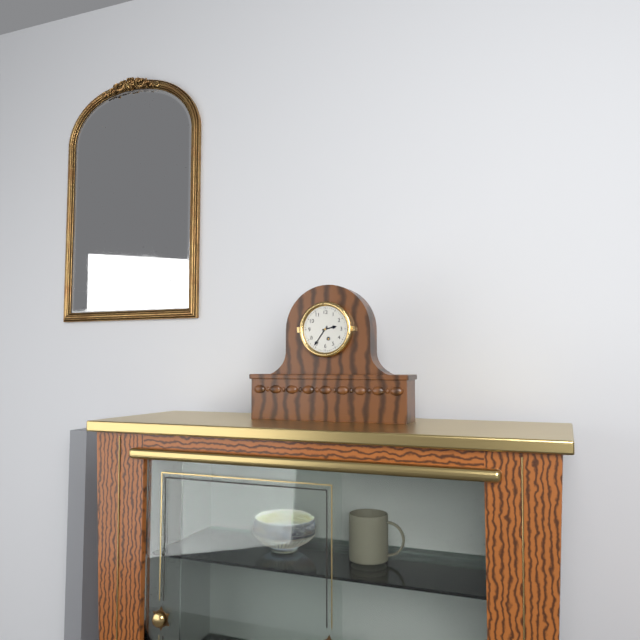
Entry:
h=2 m=36
